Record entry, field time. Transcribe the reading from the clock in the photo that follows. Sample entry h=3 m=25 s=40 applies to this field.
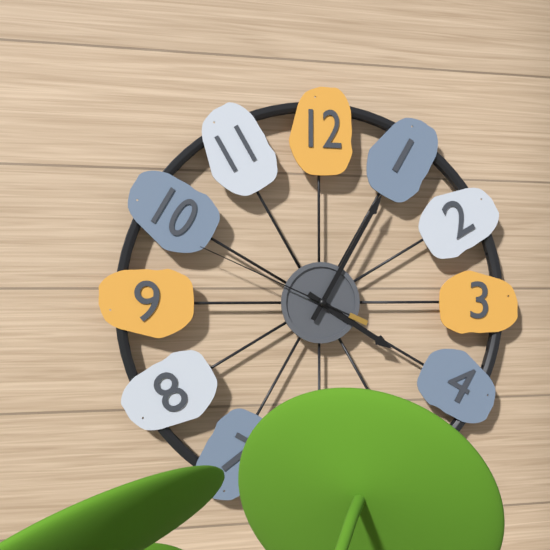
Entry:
h=4 m=5 s=49
